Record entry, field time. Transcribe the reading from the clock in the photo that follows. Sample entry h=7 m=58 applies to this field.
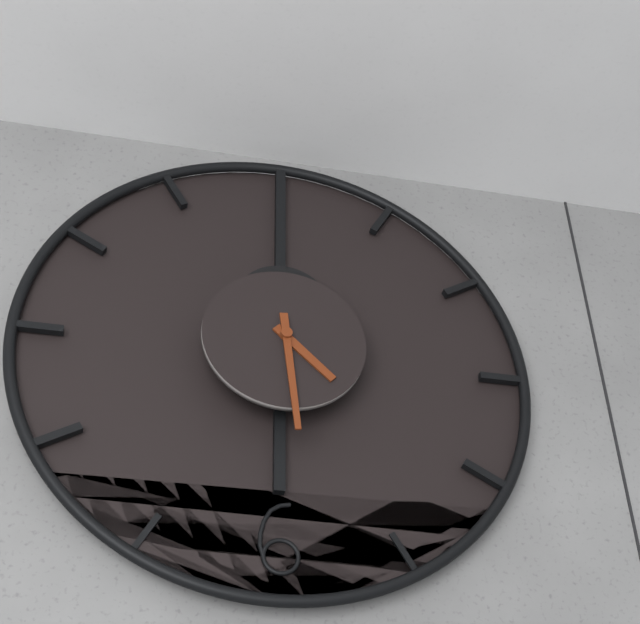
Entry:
h=4 m=29
